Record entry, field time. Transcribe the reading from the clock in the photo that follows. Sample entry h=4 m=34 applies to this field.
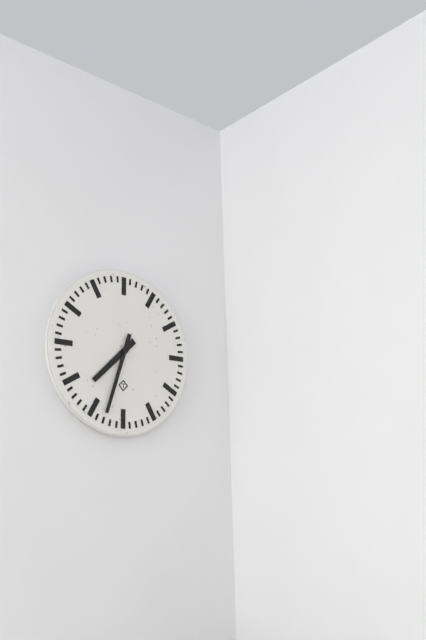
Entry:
h=7 m=33
